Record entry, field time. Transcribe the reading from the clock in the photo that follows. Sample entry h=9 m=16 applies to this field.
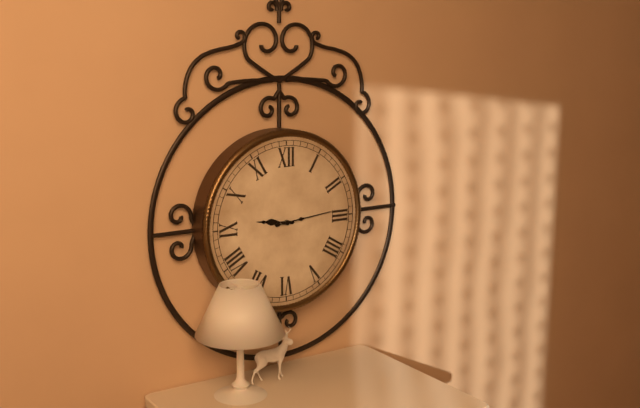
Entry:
h=9 m=14
